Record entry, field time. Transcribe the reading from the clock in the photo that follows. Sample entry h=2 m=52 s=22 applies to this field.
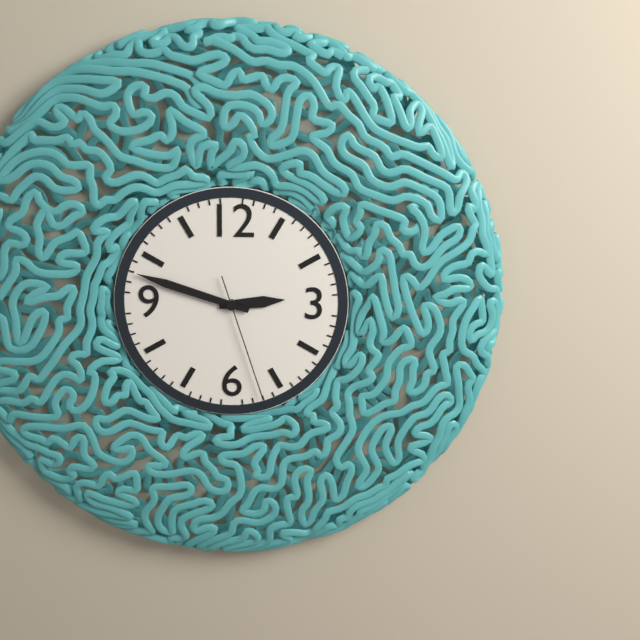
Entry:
h=2 m=48 s=27
